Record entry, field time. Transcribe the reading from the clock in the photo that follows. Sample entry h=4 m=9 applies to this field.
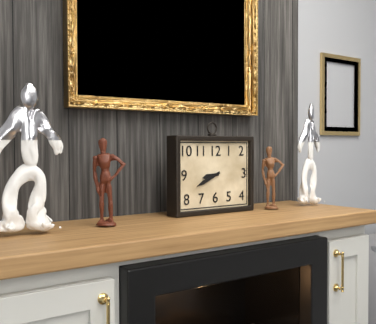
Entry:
h=8 m=41
